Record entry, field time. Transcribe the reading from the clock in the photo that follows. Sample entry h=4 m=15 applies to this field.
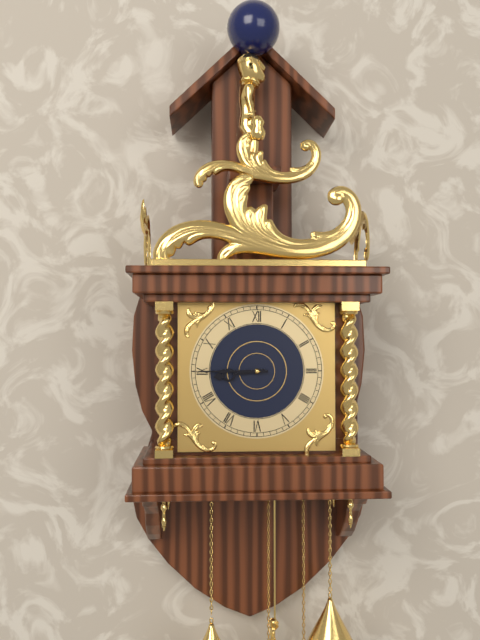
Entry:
h=8 m=45
